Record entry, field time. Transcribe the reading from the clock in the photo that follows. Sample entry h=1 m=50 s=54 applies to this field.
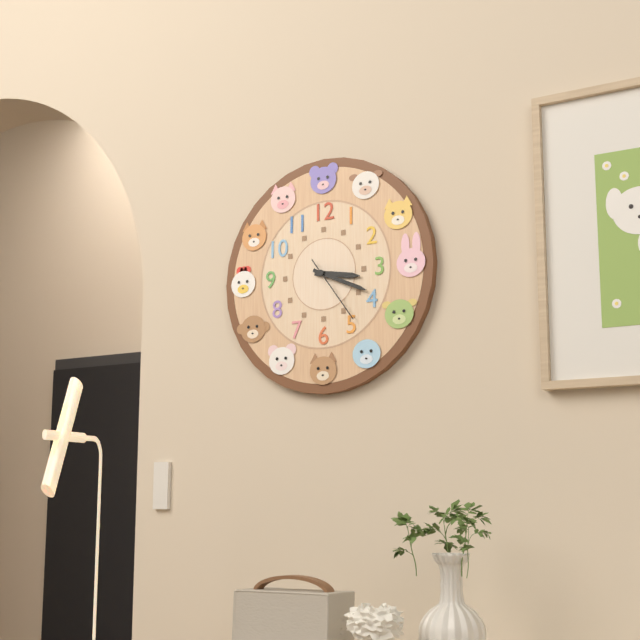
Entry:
h=3 m=19 s=24
